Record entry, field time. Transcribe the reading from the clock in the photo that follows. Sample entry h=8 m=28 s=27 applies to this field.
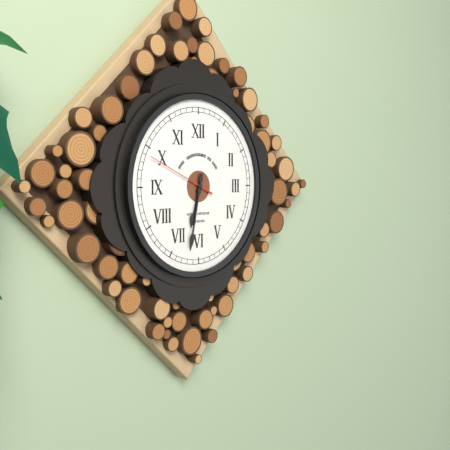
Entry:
h=6 m=32 s=49
